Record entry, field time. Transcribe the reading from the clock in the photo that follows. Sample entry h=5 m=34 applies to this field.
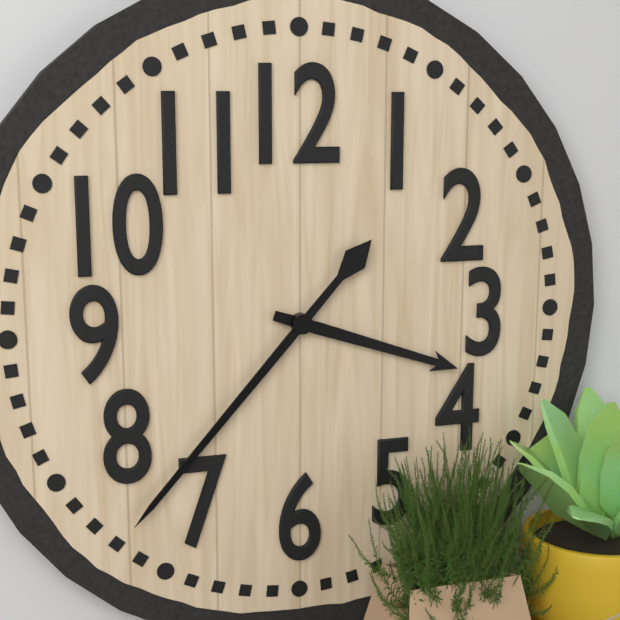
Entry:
h=3 m=37
